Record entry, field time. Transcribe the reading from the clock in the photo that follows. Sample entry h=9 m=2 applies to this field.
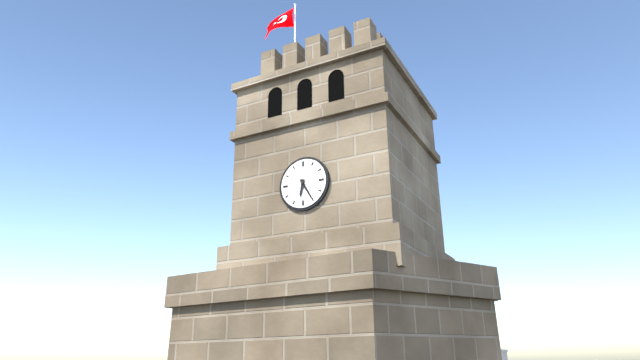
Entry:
h=6 m=25
